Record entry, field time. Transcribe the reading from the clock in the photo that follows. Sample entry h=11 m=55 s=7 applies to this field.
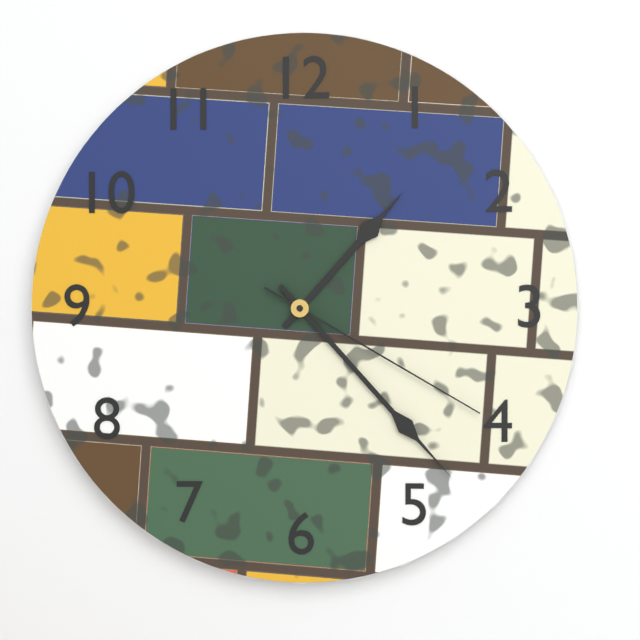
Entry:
h=1 m=23 s=20
